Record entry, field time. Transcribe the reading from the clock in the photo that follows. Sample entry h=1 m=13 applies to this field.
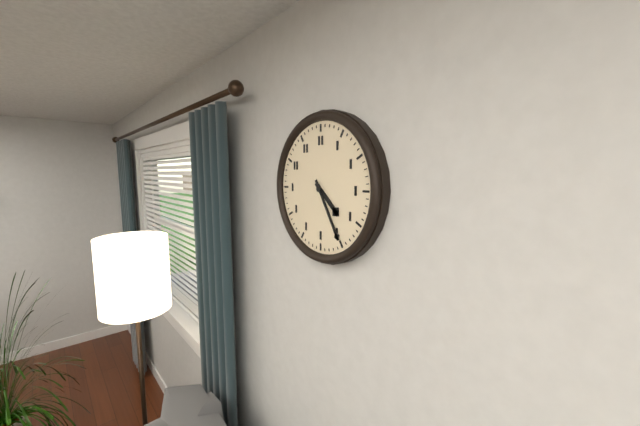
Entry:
h=4 m=25
